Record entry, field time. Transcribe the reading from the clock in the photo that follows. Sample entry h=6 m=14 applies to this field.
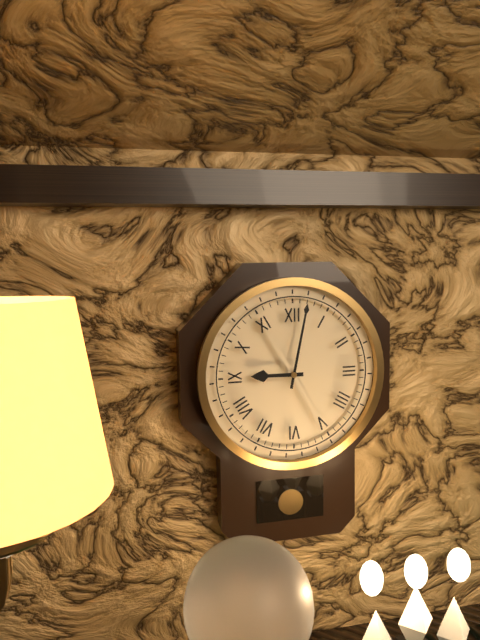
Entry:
h=9 m=2
